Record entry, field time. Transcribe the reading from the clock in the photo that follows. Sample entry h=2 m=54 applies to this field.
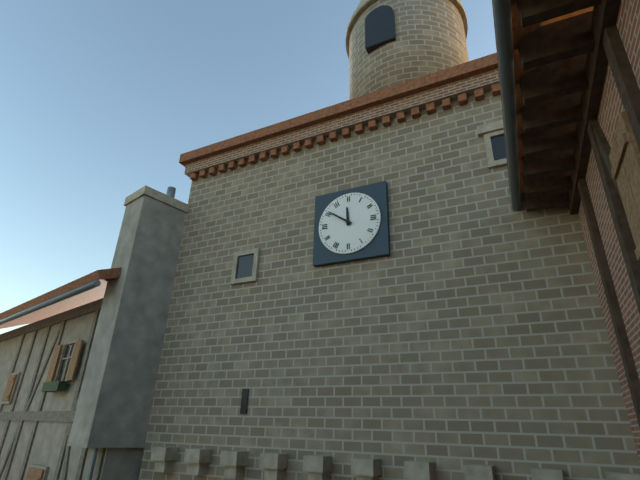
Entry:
h=11 m=51
